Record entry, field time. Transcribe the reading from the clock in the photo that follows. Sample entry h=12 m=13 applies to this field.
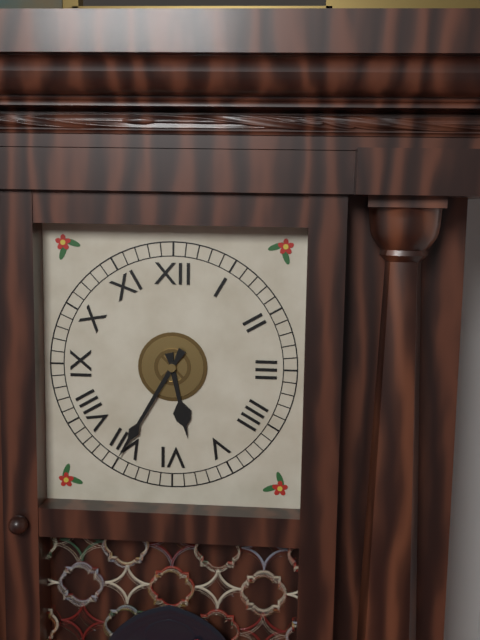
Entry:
h=5 m=35
